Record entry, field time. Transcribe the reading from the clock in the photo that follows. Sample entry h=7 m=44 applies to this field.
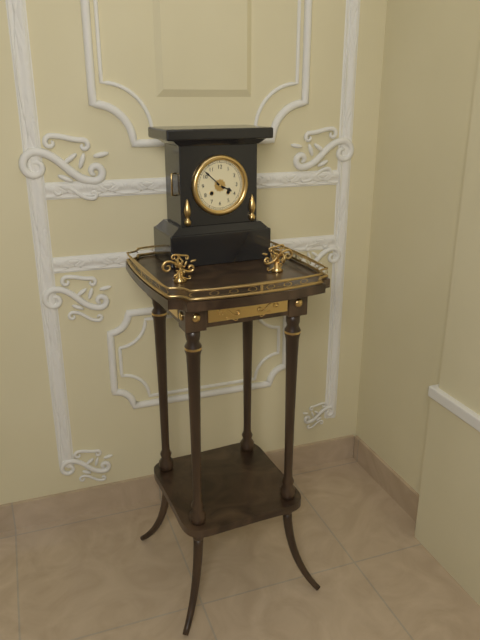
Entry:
h=3 m=52
